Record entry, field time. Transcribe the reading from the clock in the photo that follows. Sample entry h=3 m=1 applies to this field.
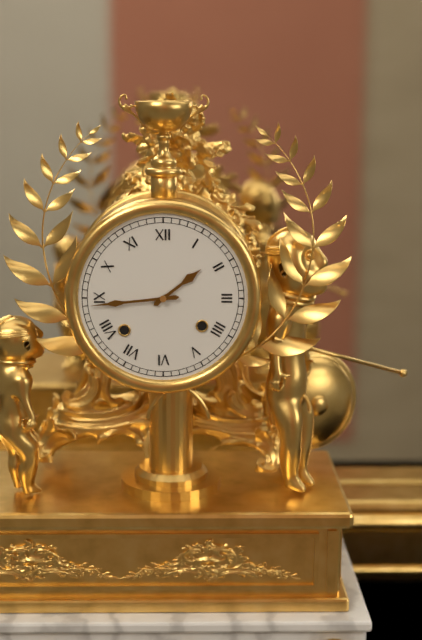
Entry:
h=1 m=44
